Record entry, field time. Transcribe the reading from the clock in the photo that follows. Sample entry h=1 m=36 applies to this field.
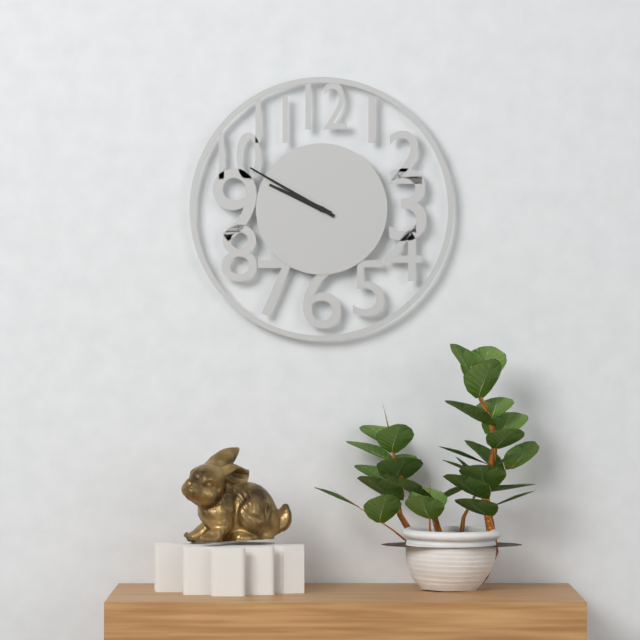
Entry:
h=9 m=50
